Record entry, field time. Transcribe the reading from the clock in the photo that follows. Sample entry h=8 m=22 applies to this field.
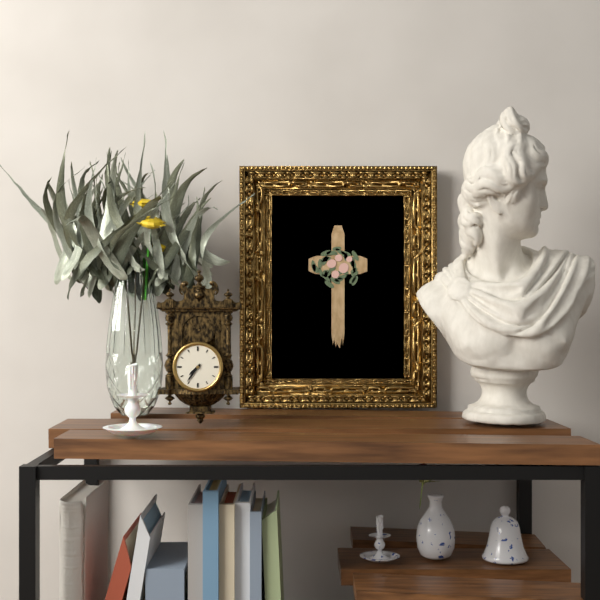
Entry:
h=7 m=36
